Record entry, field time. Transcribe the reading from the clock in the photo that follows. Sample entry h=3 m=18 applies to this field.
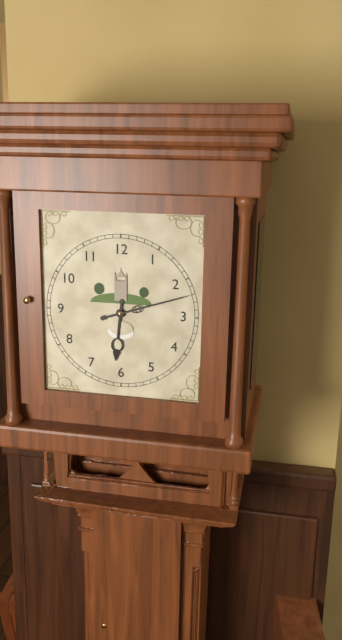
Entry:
h=6 m=12
